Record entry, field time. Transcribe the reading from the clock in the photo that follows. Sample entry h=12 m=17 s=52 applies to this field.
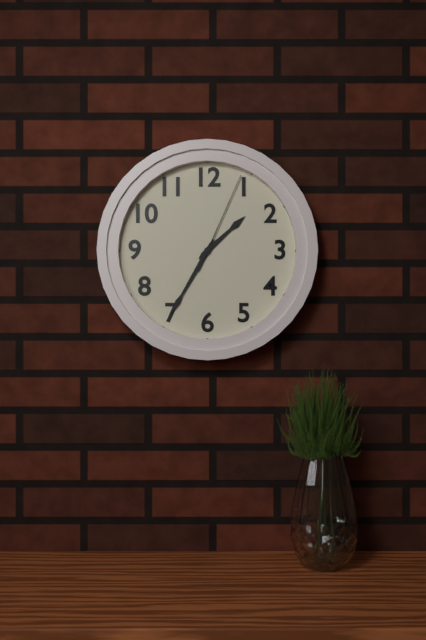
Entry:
h=1 m=35 s=4
